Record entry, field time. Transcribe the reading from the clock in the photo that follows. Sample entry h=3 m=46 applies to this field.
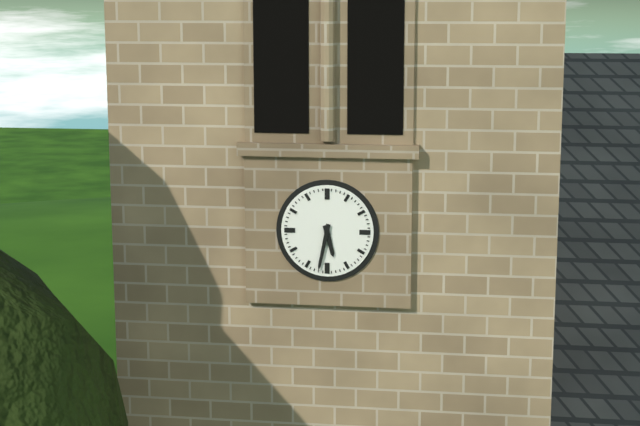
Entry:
h=5 m=32
